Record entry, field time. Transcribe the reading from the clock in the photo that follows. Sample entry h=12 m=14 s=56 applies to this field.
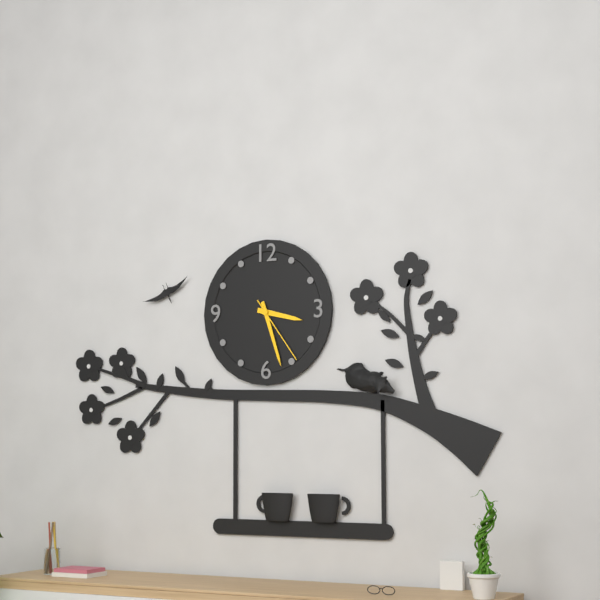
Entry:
h=3 m=27 s=24
